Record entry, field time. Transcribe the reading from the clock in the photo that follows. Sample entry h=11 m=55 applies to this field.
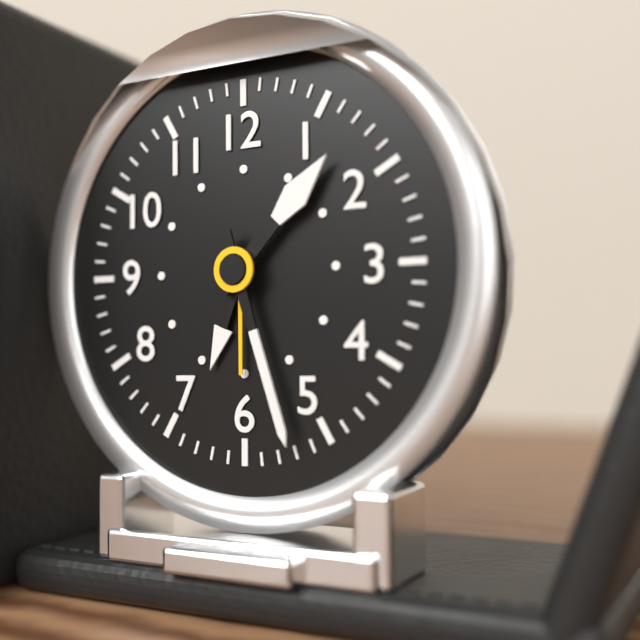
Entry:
h=1 m=27
